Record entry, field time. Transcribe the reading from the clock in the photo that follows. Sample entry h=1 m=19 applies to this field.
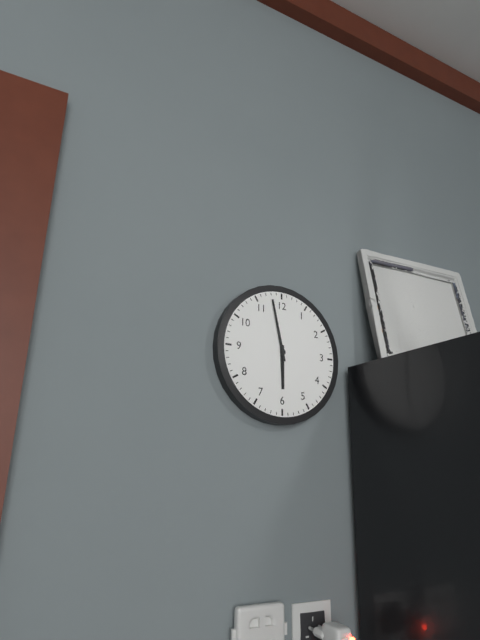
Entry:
h=5 m=58
